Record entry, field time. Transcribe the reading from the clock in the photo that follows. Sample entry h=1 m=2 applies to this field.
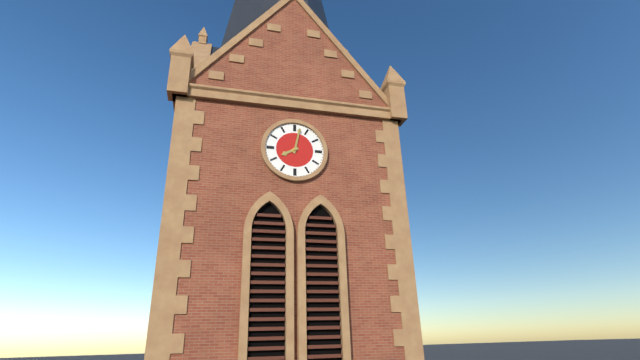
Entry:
h=8 m=2
